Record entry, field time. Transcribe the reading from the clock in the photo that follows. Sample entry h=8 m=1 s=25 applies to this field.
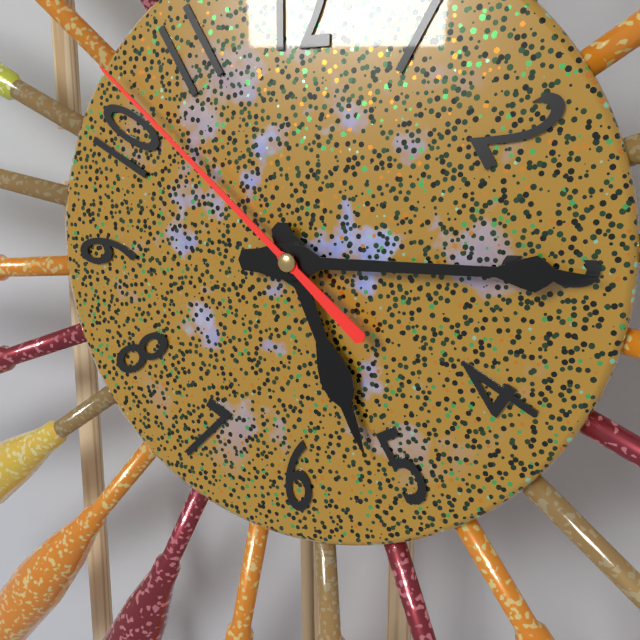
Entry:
h=5 m=15 s=52
